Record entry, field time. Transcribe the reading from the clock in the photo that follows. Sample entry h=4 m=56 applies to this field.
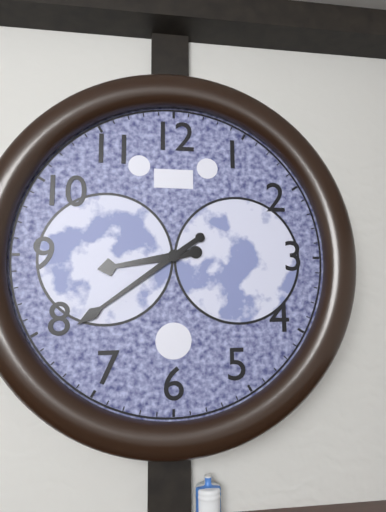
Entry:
h=8 m=39
